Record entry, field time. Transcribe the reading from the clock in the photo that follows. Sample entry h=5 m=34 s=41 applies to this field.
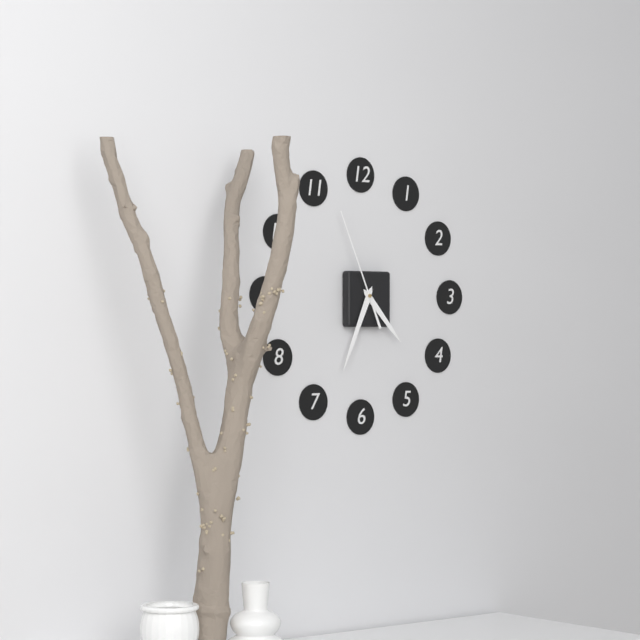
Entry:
h=4 m=34 s=56
